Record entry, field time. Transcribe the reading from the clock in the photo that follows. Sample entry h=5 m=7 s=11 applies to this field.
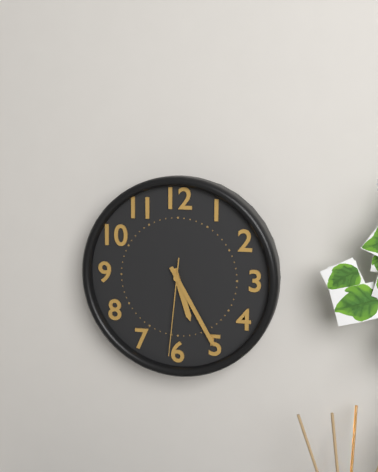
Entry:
h=5 m=25 s=31
